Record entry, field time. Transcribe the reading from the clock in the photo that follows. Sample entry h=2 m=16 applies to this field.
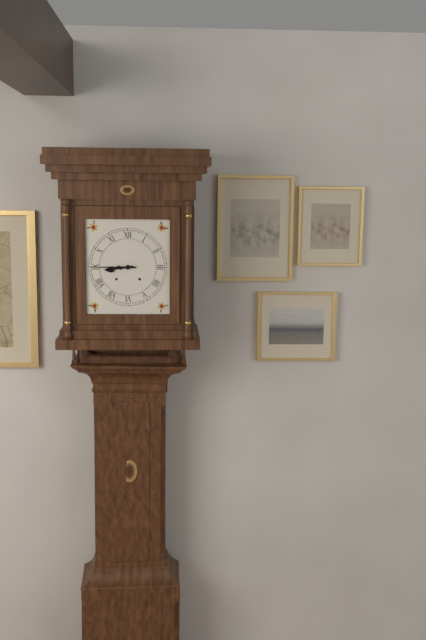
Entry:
h=8 m=45
